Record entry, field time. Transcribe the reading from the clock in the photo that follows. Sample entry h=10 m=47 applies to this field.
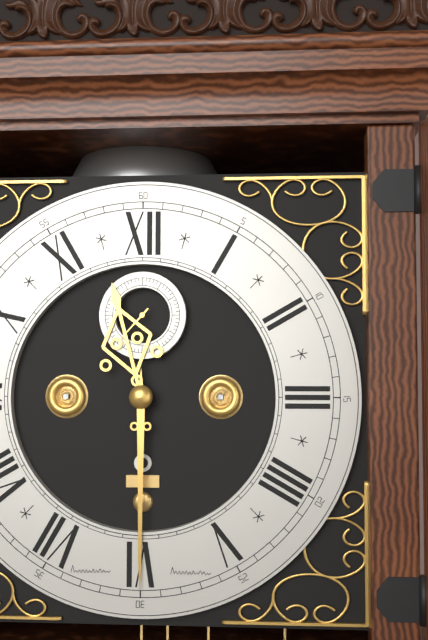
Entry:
h=11 m=30
